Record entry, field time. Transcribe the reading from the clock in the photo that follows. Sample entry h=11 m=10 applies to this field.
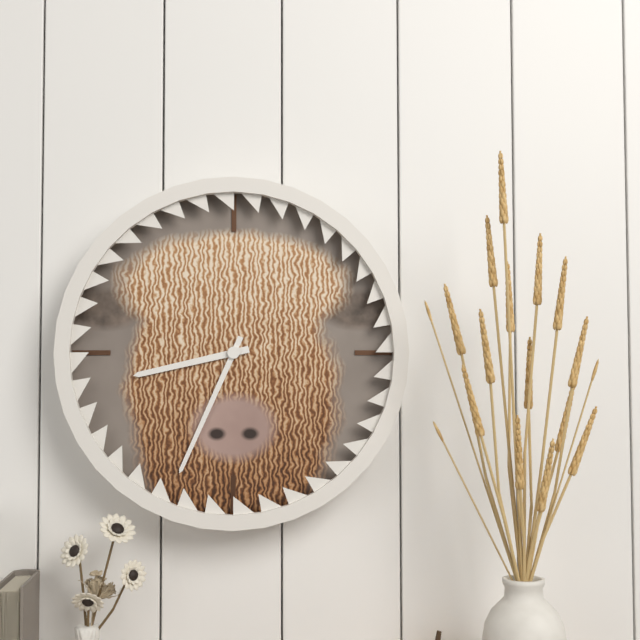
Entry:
h=8 m=34
